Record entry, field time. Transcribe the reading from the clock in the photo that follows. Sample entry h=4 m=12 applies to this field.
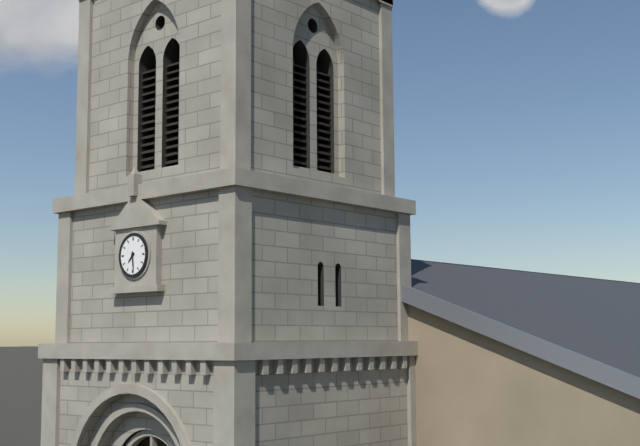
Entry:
h=7 m=29
